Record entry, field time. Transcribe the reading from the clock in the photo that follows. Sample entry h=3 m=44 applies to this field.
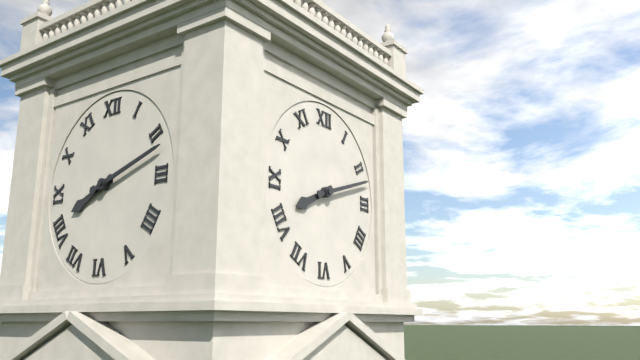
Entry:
h=8 m=12
